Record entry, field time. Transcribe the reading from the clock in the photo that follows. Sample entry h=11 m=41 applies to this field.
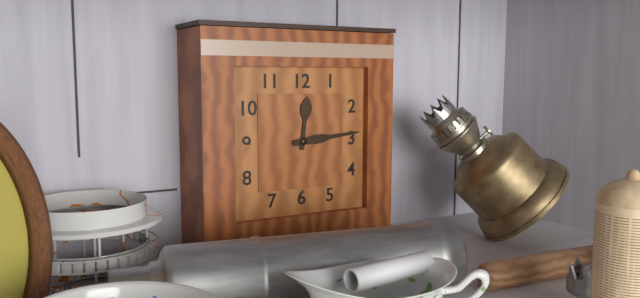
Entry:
h=12 m=14
